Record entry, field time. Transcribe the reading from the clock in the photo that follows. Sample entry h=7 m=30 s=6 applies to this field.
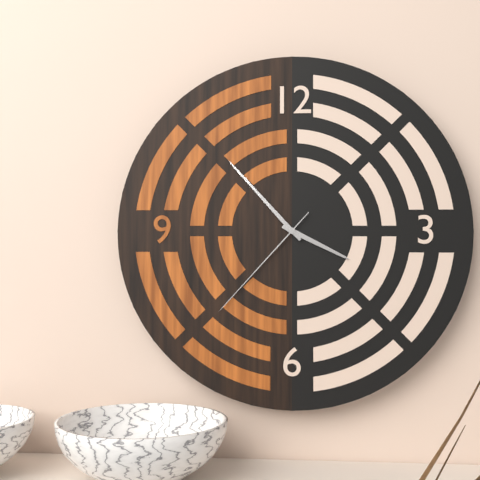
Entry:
h=3 m=53 s=37
